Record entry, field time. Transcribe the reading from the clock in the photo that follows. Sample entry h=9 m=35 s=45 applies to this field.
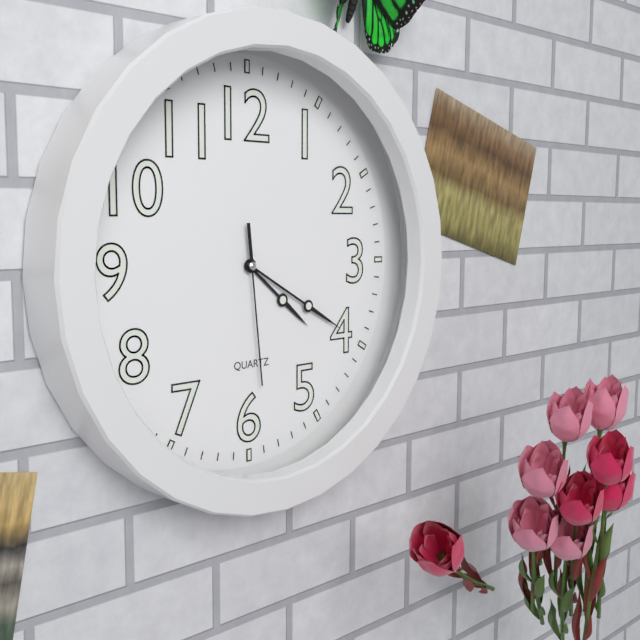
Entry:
h=4 m=20 s=29
